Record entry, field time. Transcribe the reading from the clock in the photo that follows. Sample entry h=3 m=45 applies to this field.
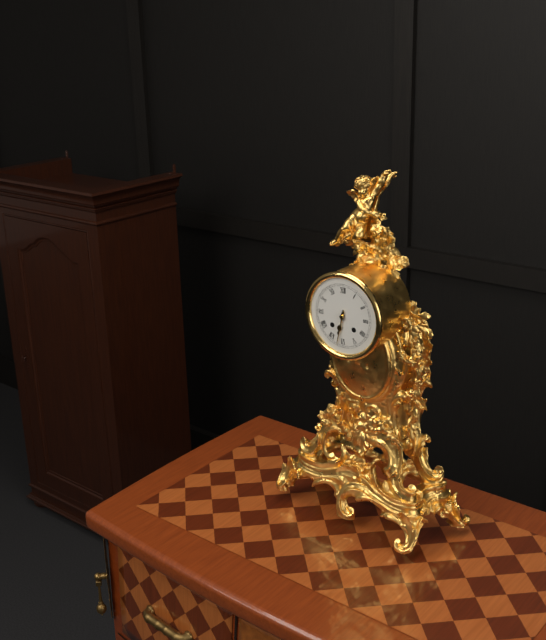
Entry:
h=6 m=32
